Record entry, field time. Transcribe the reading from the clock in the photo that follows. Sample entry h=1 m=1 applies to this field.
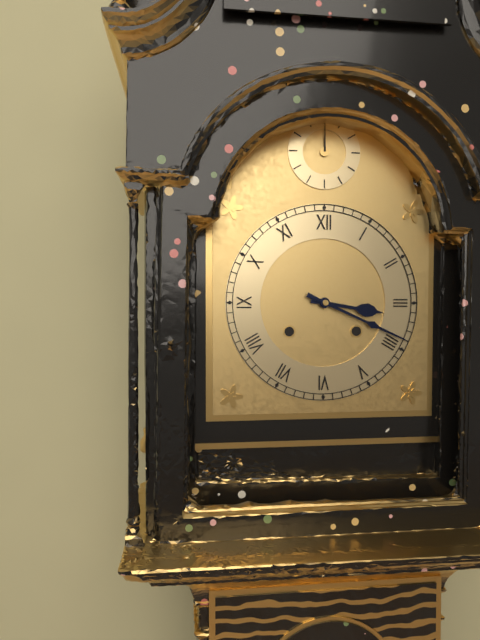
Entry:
h=3 m=19
